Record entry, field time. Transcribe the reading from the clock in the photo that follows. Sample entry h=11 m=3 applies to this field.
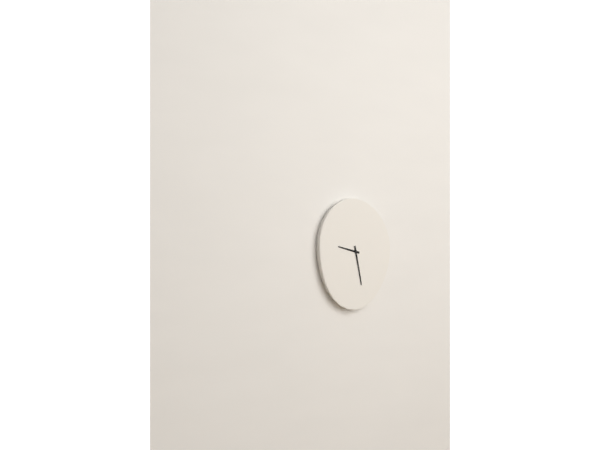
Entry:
h=9 m=28
